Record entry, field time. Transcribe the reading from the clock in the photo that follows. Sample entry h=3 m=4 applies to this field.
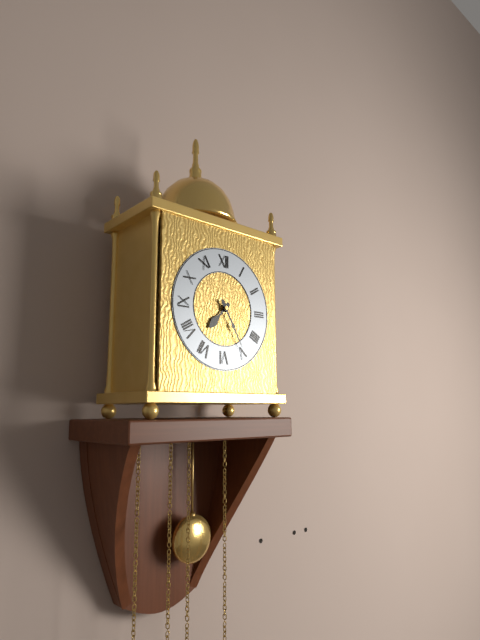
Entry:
h=7 m=25
